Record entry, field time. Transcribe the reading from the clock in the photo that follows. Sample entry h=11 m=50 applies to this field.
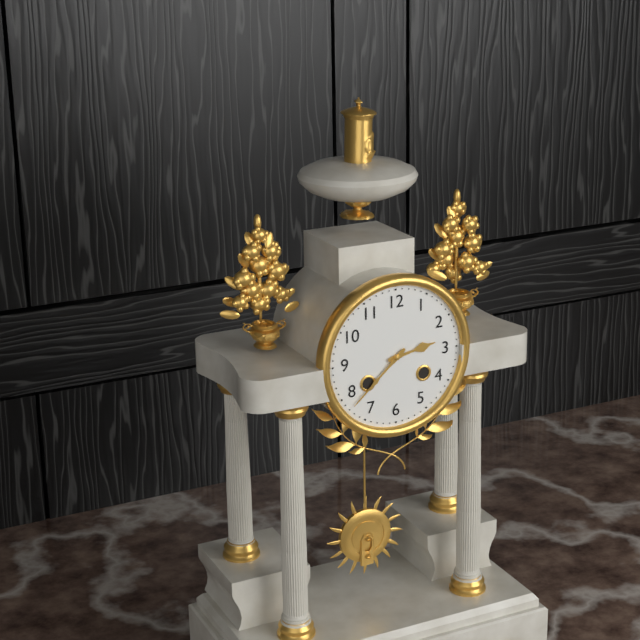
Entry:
h=2 m=38
